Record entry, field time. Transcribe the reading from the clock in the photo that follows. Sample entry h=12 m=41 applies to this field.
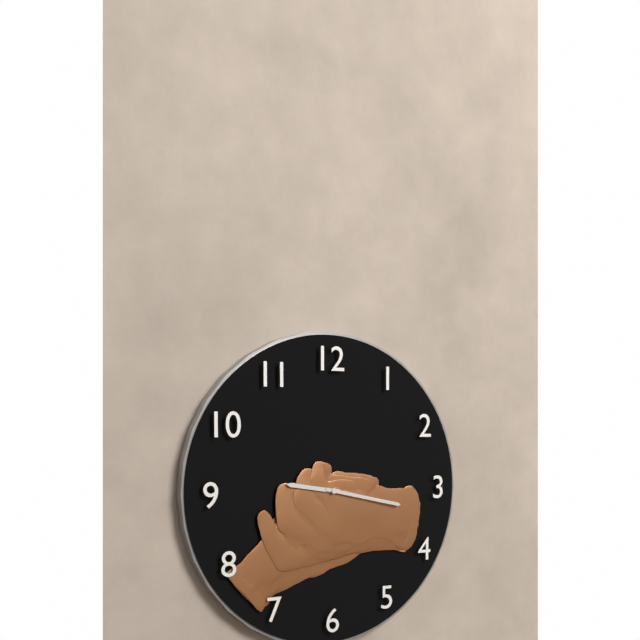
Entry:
h=9 m=17
